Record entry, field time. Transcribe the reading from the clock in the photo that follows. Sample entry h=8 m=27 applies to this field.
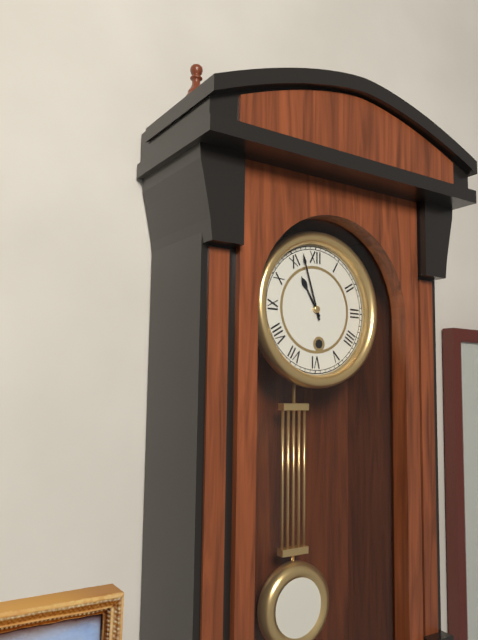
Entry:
h=10 m=57
